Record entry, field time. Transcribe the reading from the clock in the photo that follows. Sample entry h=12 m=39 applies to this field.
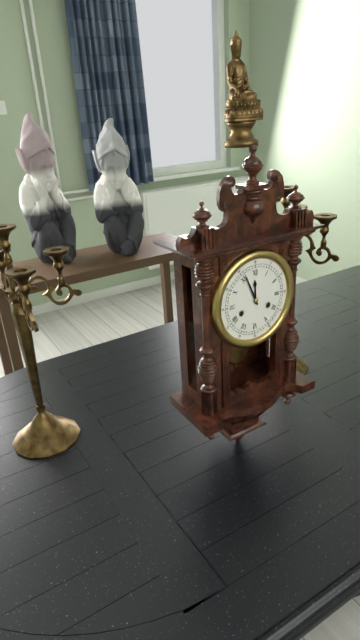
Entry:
h=11 m=56
